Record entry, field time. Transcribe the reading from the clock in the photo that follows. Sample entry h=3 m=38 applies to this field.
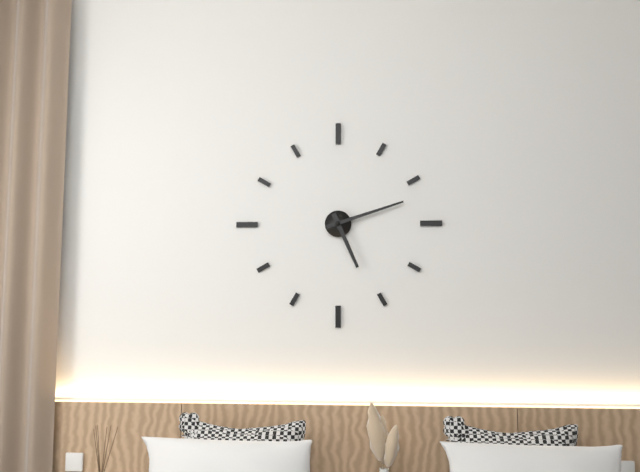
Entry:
h=5 m=12
